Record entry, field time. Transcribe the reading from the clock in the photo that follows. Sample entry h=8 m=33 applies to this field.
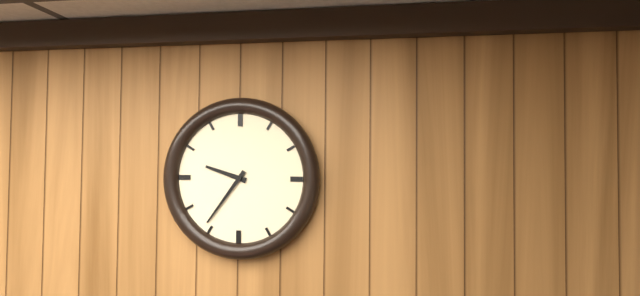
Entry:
h=9 m=36
